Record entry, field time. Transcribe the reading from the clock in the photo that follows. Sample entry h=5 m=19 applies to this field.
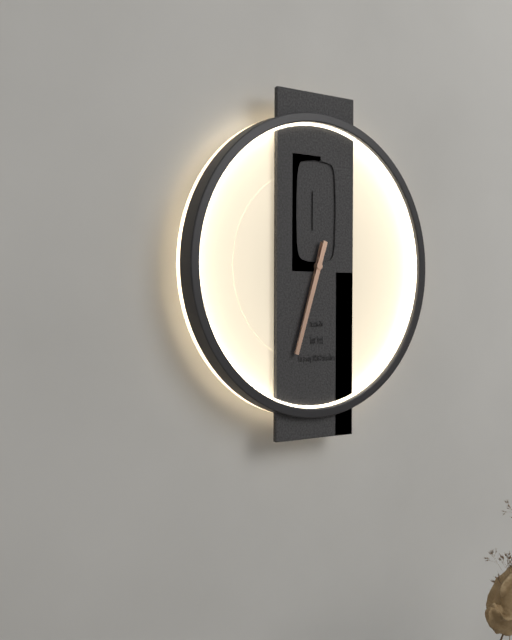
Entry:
h=6 m=33
